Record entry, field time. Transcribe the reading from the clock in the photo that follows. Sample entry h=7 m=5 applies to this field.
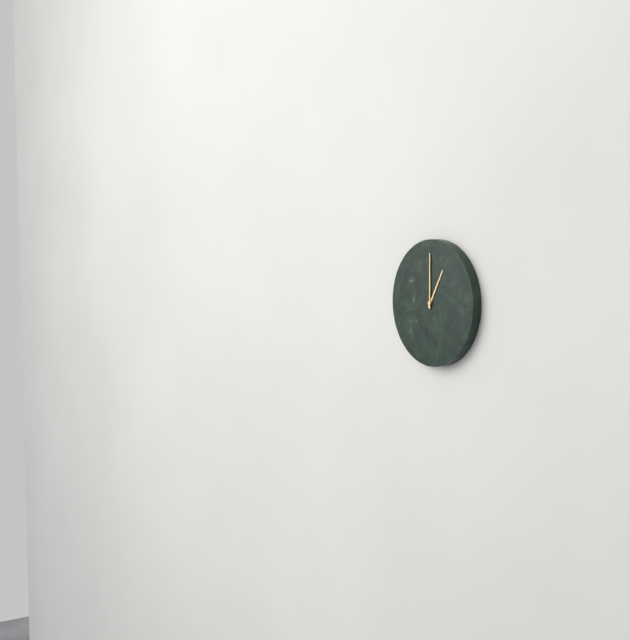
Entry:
h=1 m=0
